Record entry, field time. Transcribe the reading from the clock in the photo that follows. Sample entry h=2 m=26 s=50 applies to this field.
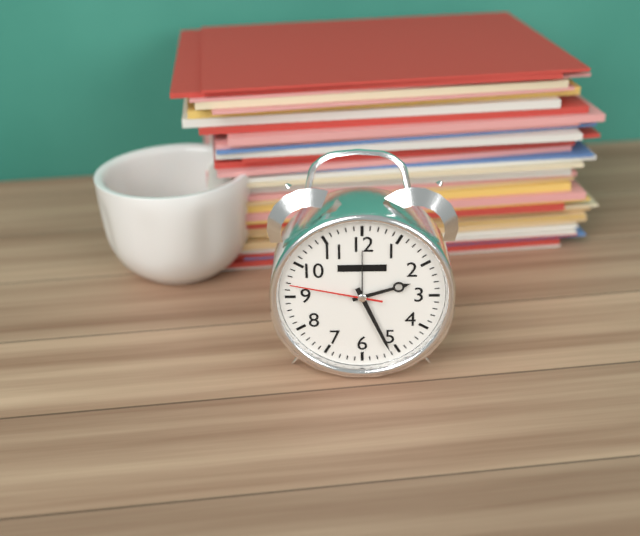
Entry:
h=2 m=26 s=47
